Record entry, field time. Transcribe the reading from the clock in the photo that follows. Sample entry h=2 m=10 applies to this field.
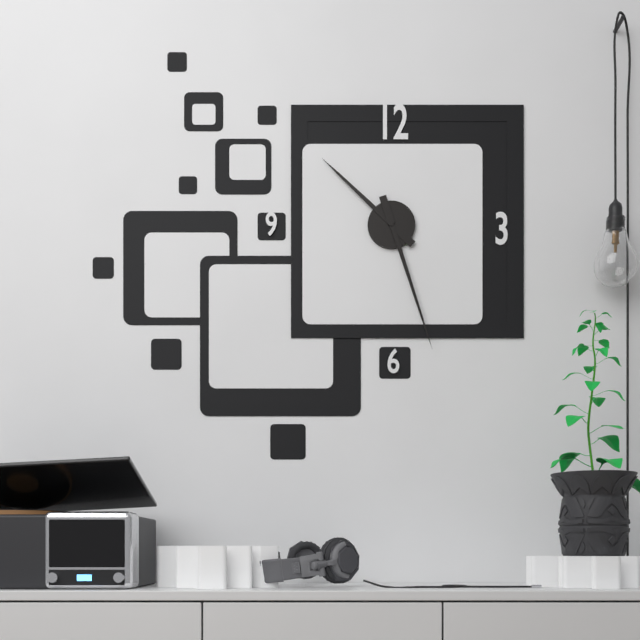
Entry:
h=10 m=27
